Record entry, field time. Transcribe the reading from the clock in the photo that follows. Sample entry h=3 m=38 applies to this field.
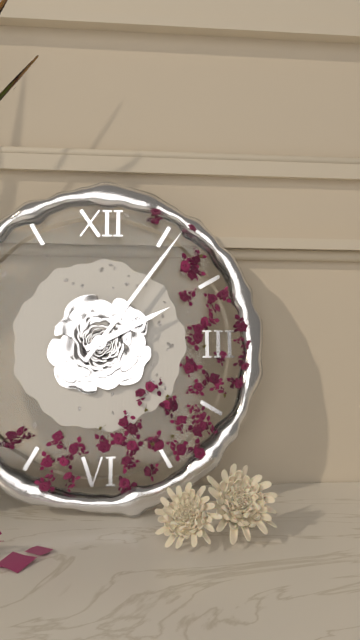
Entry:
h=2 m=6
